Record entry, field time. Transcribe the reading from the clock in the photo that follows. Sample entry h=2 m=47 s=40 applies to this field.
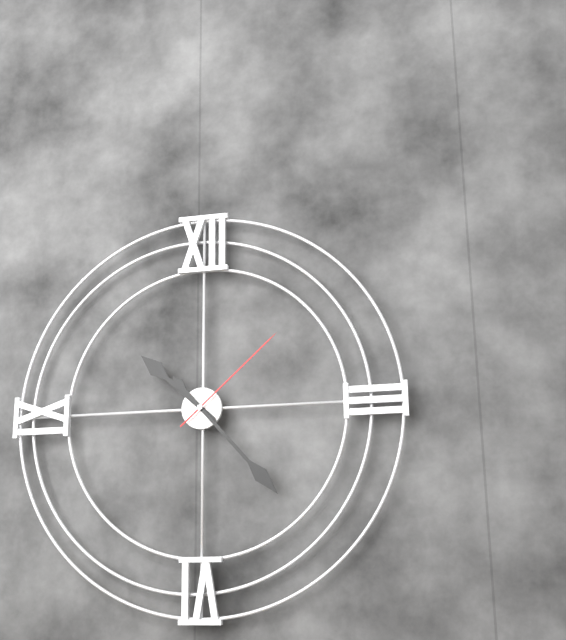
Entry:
h=10 m=23 s=8
